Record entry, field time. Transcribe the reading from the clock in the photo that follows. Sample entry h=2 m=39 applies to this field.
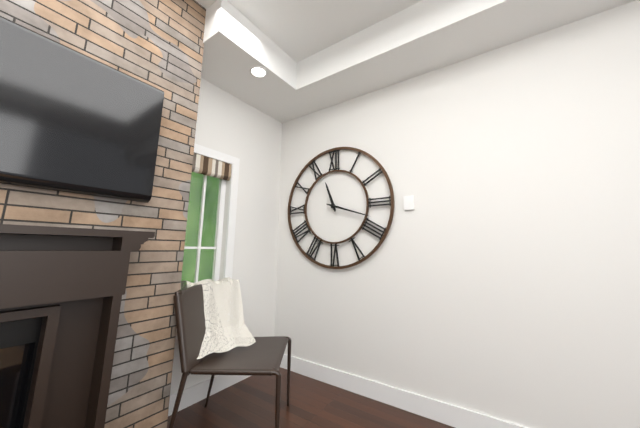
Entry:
h=11 m=18
